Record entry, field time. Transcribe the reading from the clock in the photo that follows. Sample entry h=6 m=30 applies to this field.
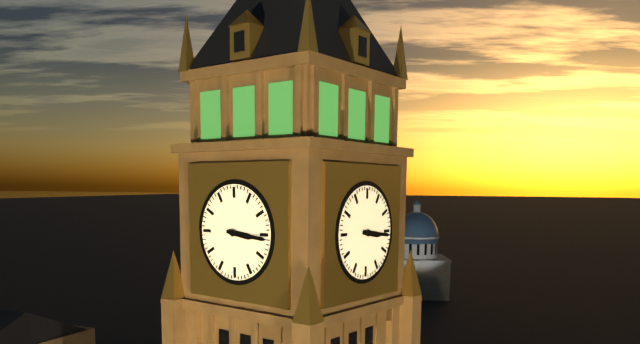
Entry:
h=3 m=16
